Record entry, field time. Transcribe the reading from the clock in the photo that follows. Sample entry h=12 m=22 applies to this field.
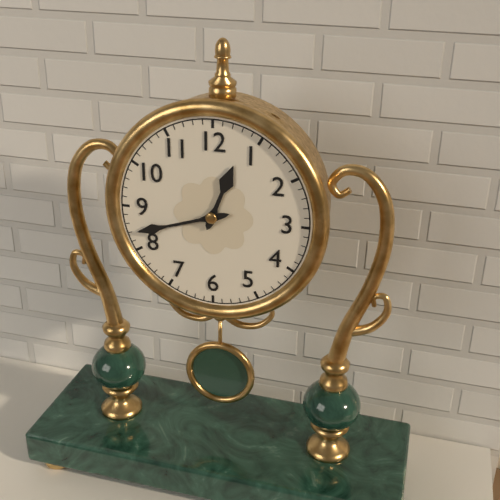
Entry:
h=12 m=42
